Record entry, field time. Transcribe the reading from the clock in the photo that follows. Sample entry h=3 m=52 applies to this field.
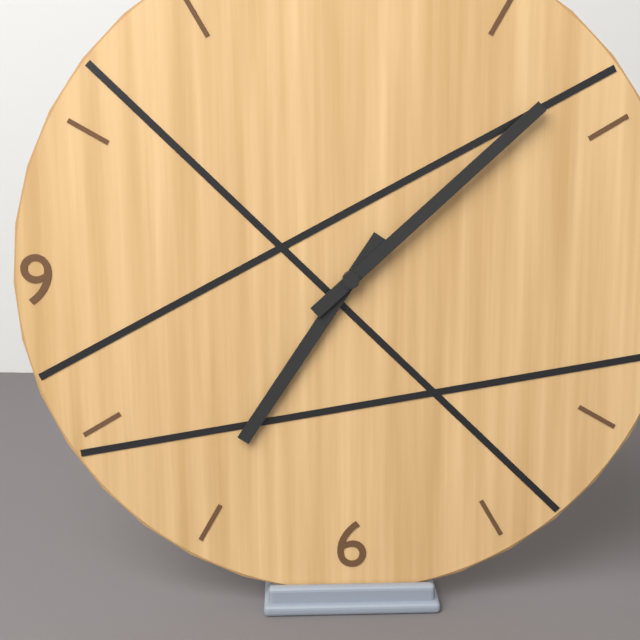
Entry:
h=7 m=8
